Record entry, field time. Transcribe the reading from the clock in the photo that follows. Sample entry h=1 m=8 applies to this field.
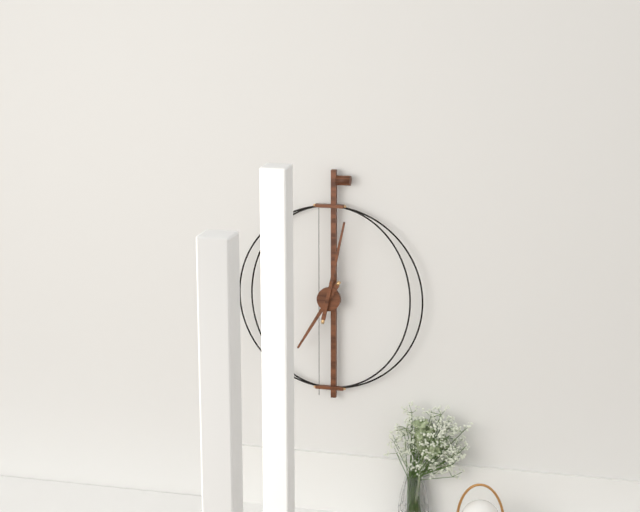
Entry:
h=7 m=2
